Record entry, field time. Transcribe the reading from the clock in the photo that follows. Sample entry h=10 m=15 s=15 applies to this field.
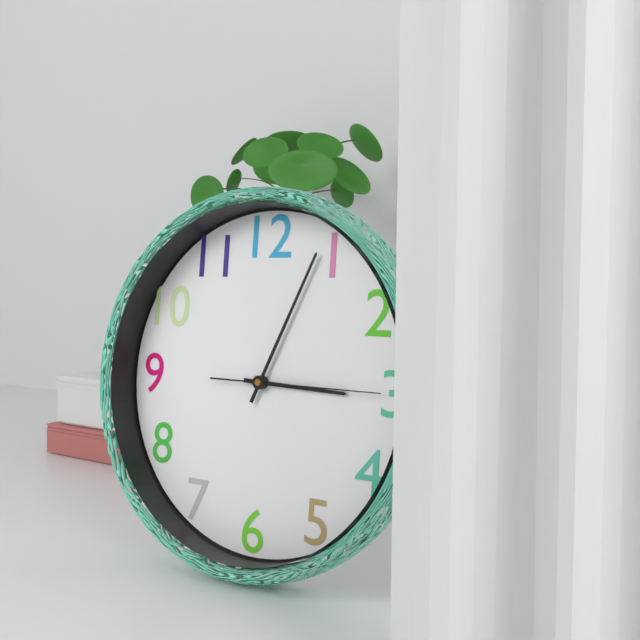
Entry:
h=3 m=4 s=15
